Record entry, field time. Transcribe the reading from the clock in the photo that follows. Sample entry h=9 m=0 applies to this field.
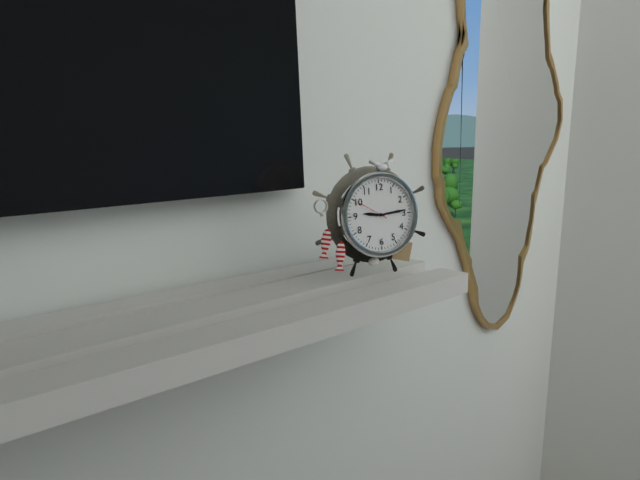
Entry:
h=9 m=14
